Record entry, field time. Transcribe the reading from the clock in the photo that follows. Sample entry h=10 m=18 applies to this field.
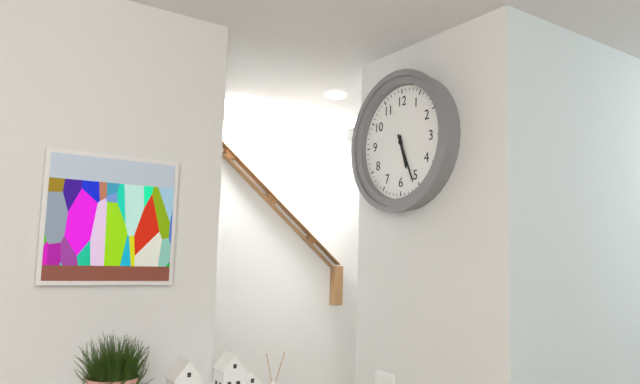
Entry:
h=5 m=26
